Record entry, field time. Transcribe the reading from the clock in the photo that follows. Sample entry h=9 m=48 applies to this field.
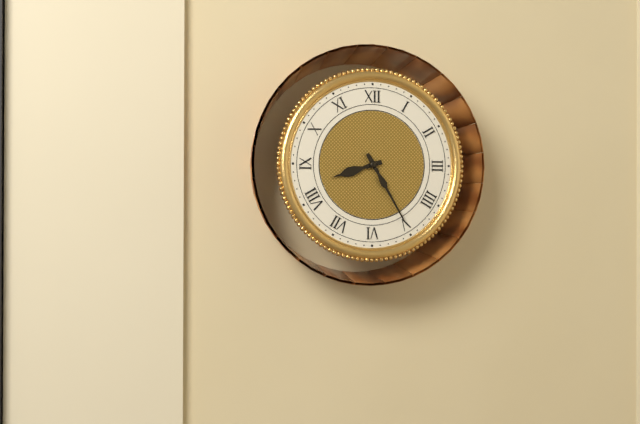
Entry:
h=8 m=25
